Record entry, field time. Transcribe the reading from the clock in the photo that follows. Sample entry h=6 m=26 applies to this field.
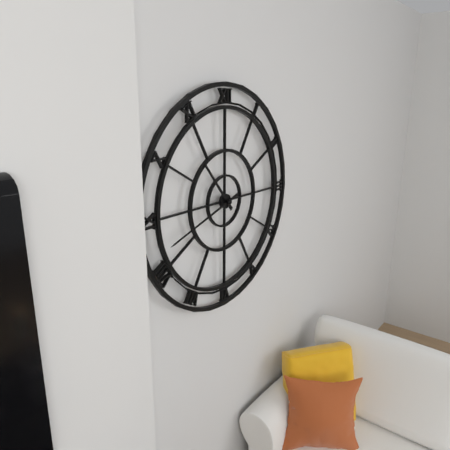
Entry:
h=10 m=42
